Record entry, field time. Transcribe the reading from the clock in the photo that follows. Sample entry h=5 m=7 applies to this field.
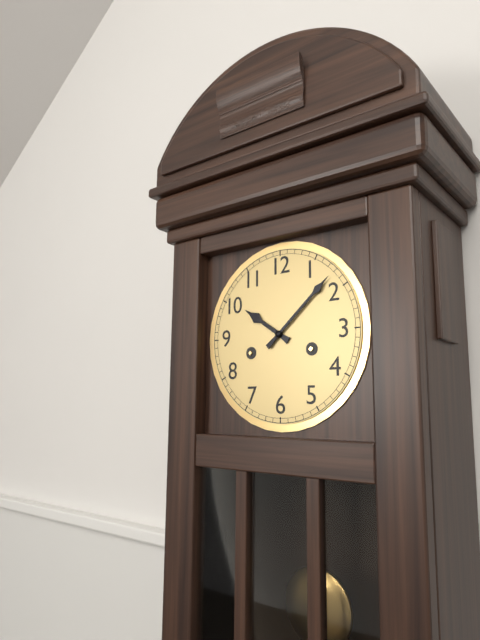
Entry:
h=10 m=8
